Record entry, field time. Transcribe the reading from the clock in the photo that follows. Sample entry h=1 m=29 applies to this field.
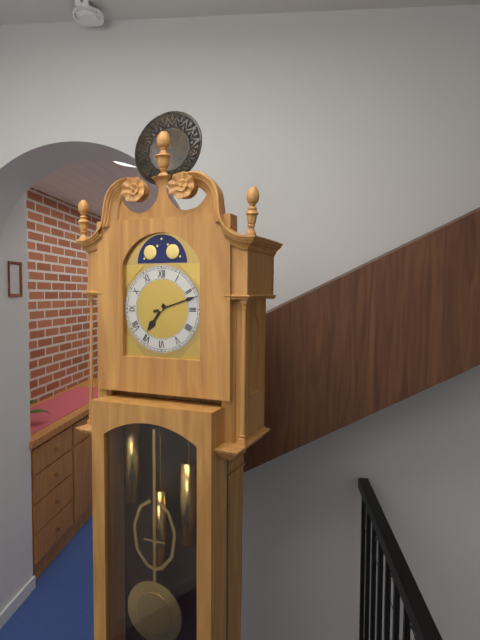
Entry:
h=7 m=12
